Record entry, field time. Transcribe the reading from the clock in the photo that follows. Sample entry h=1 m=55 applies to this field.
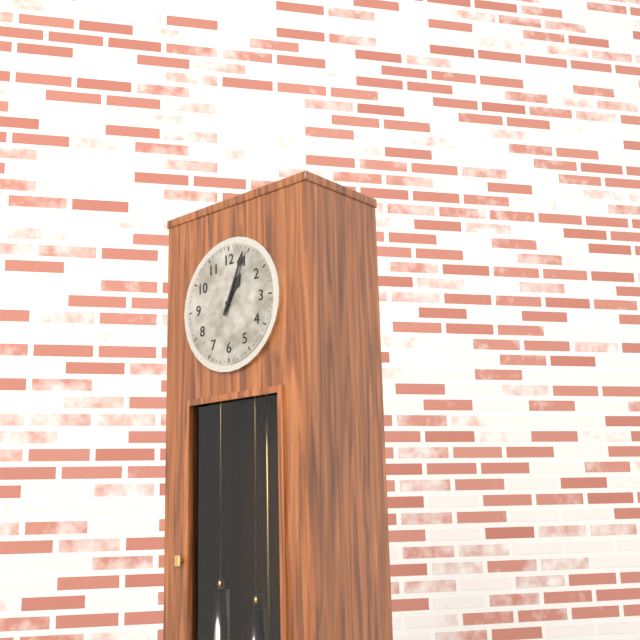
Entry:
h=1 m=4
